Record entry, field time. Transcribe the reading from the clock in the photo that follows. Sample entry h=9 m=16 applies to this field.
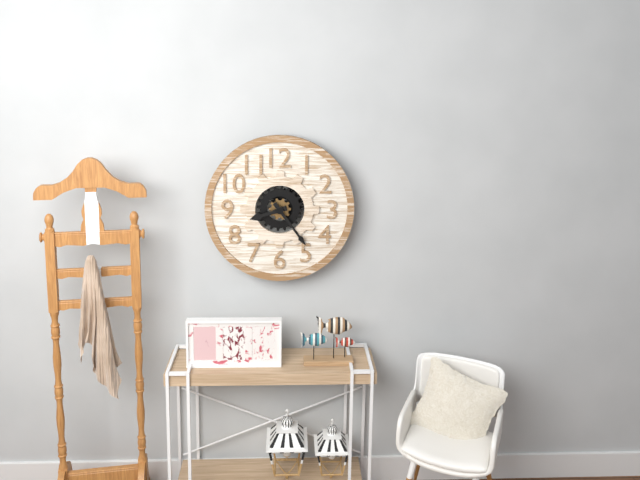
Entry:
h=8 m=24
